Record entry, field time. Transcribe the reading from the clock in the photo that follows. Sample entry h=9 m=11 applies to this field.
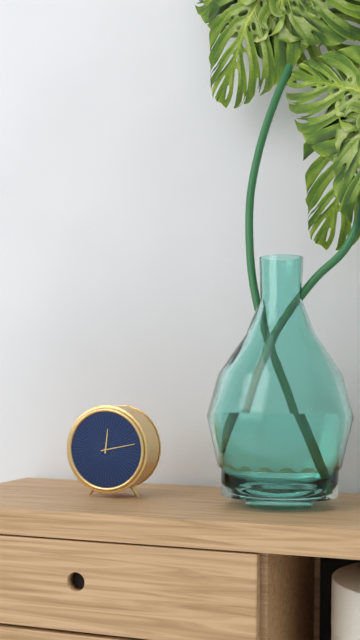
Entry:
h=12 m=13
